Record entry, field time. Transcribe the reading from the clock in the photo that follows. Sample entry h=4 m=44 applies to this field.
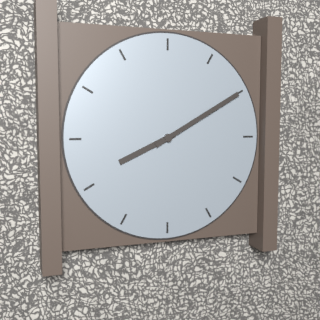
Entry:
h=8 m=10
